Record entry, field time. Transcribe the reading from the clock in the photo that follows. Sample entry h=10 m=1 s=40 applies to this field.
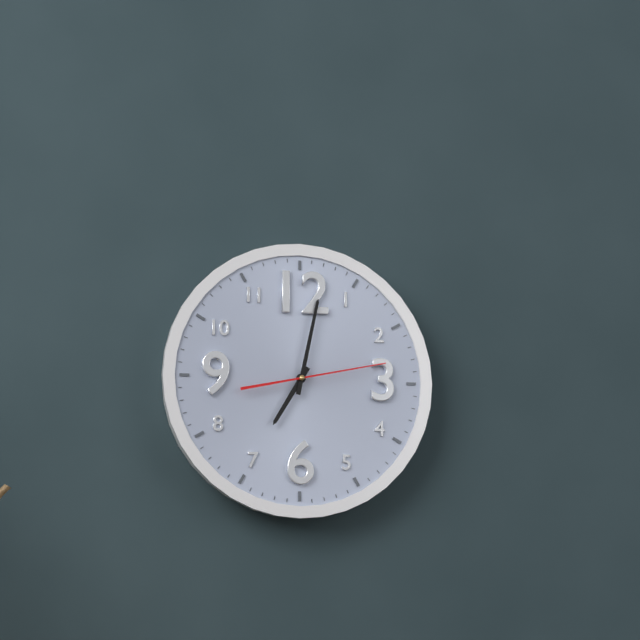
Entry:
h=7 m=2 s=13
